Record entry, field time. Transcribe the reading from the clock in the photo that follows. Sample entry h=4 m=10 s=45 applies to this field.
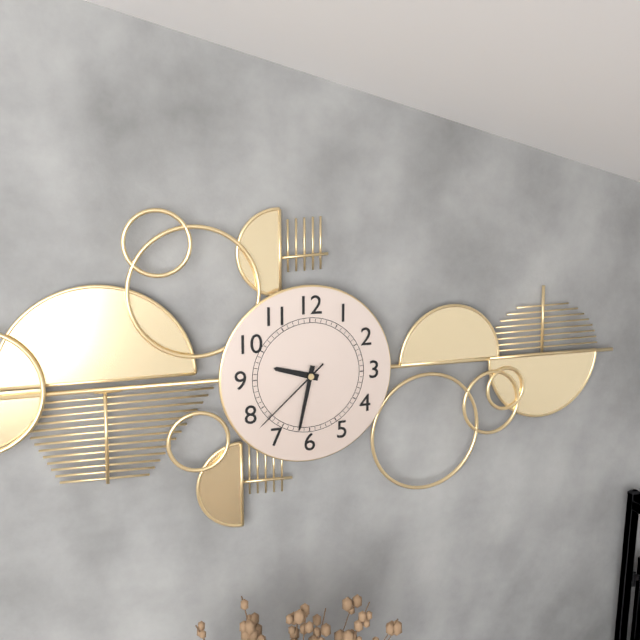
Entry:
h=9 m=32 s=38
